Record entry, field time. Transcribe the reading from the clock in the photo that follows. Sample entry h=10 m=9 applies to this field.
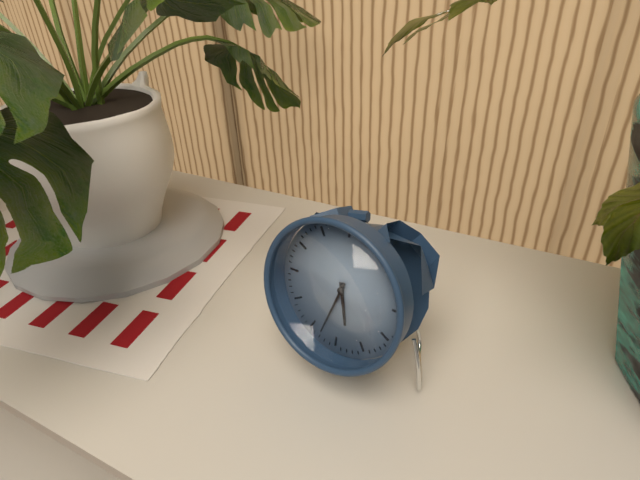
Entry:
h=5 m=33
